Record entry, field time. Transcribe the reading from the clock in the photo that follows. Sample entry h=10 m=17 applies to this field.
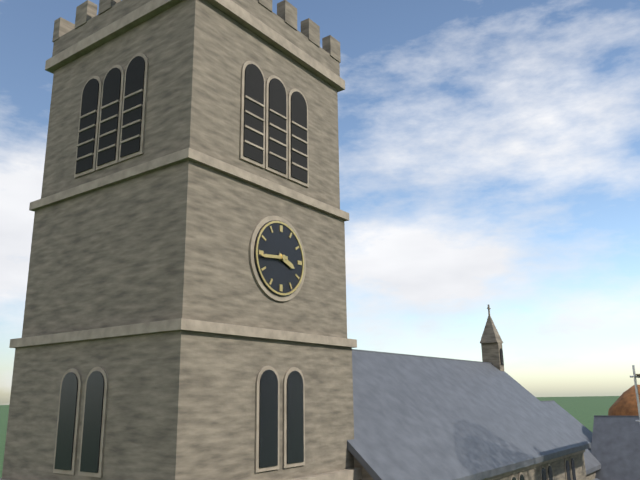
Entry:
h=3 m=44
